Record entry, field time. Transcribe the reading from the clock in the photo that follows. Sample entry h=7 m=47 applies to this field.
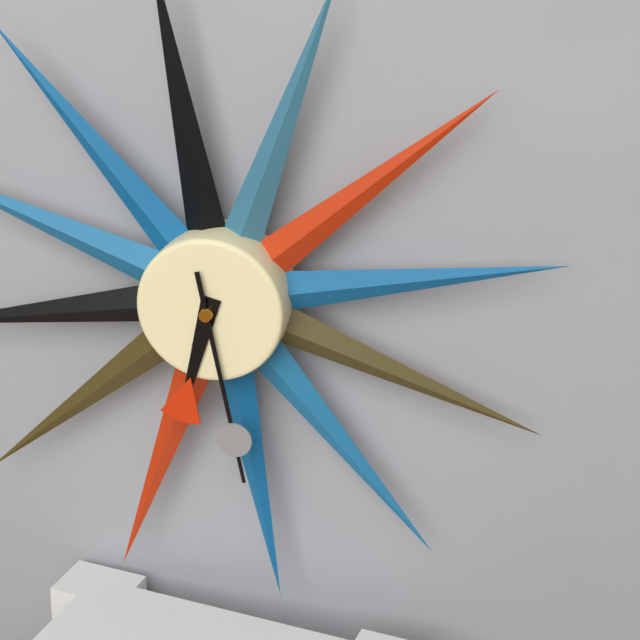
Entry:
h=6 m=28
